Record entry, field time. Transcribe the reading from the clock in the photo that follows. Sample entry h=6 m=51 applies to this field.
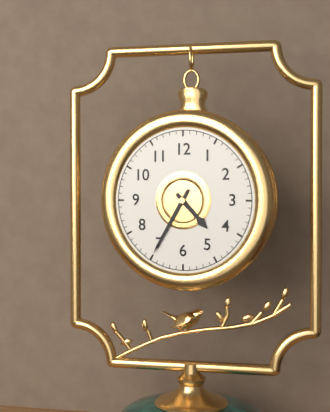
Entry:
h=4 m=35
